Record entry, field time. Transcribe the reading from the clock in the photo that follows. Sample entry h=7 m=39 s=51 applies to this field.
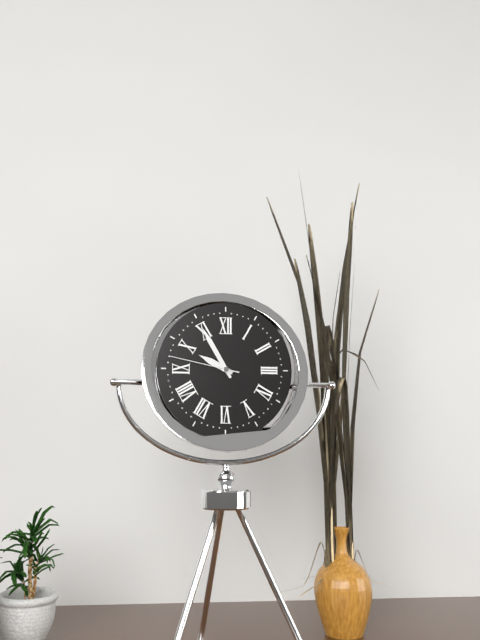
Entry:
h=9 m=55 s=47
